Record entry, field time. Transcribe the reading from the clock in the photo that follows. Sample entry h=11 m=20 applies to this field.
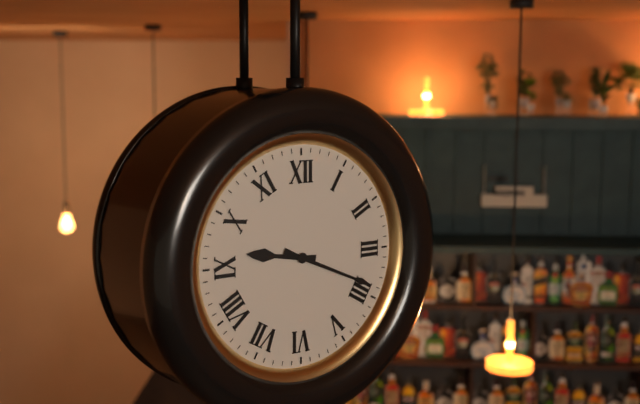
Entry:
h=9 m=19
